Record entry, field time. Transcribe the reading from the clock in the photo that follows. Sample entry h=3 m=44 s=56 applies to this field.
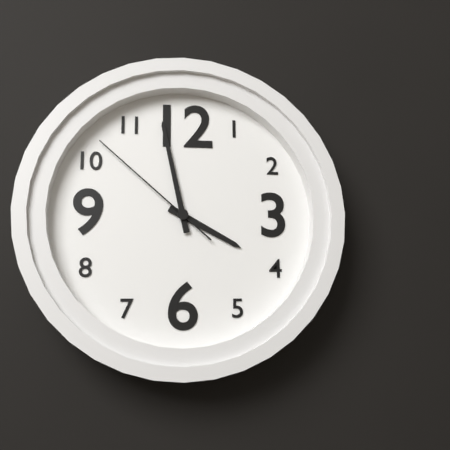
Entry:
h=3 m=58 s=52
